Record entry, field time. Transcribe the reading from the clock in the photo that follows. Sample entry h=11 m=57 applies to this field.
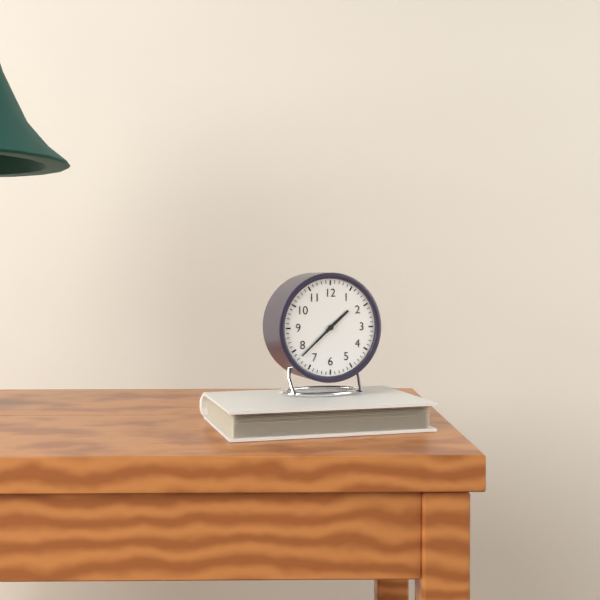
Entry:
h=1 m=38
